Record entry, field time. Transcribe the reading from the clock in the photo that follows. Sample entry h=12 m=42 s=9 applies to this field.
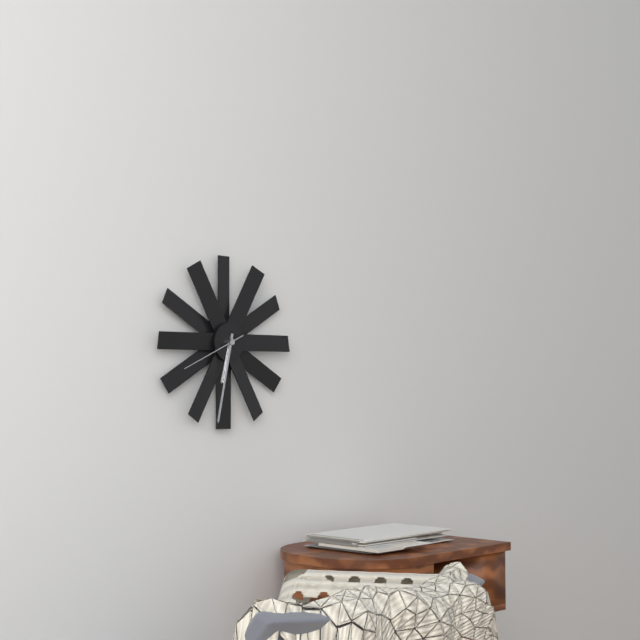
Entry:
h=6 m=32 s=41
